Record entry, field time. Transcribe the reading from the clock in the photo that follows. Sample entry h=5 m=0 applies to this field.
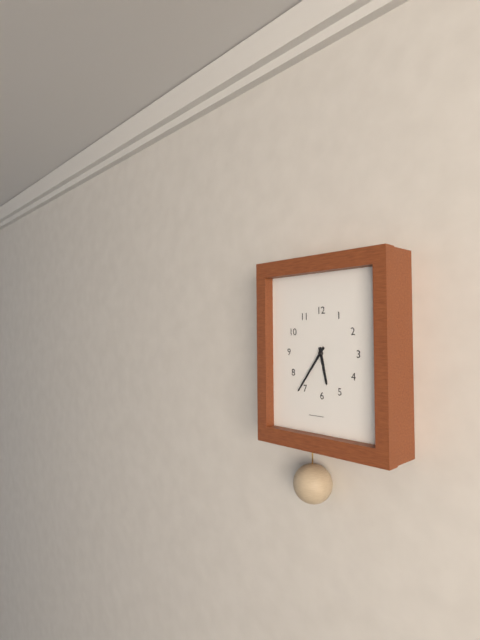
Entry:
h=5 m=36
